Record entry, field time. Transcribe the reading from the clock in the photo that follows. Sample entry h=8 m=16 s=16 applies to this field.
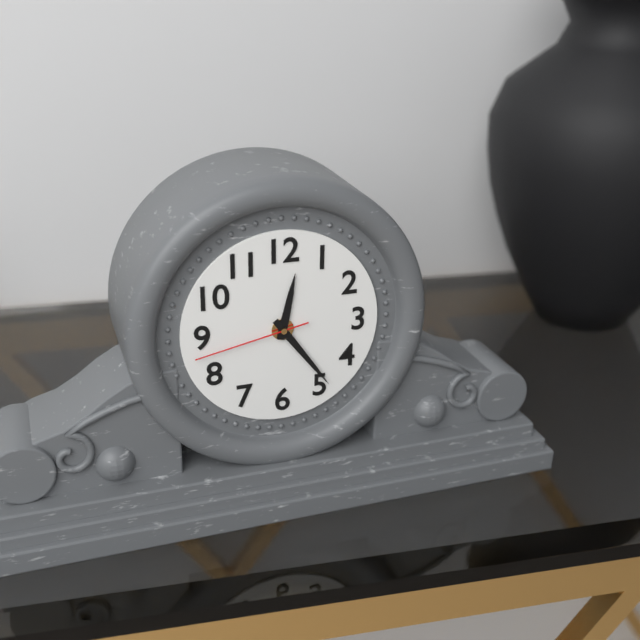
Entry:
h=12 m=24 s=43
